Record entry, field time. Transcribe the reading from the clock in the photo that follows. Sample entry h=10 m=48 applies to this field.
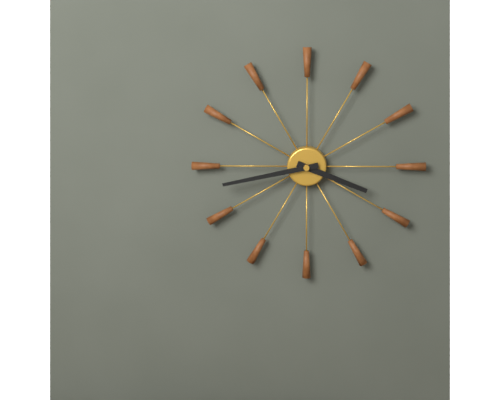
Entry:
h=3 m=43
